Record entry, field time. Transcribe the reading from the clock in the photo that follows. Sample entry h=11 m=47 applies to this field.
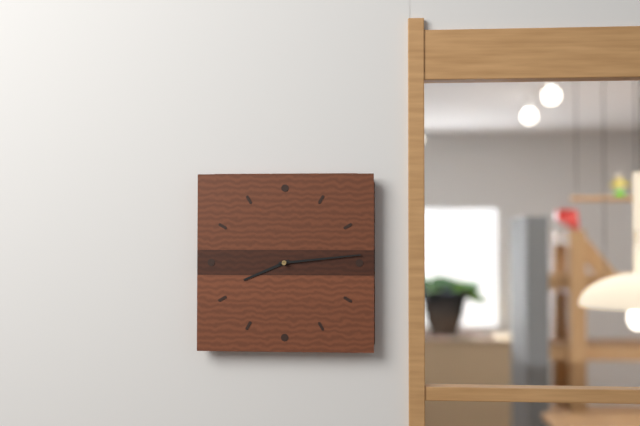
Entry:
h=8 m=14
